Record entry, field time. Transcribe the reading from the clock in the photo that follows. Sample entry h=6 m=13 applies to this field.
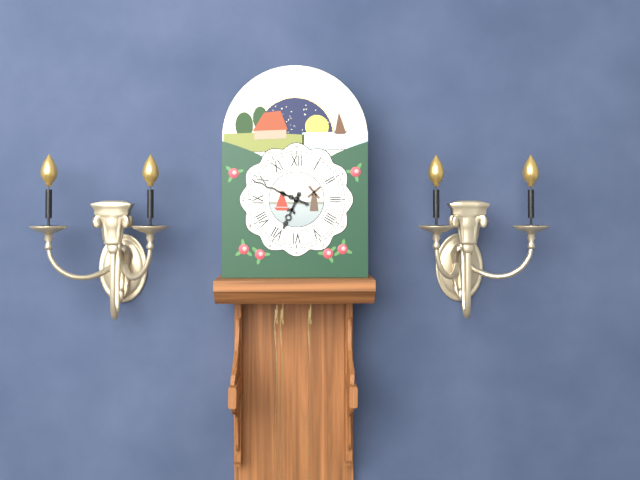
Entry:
h=6 m=49
